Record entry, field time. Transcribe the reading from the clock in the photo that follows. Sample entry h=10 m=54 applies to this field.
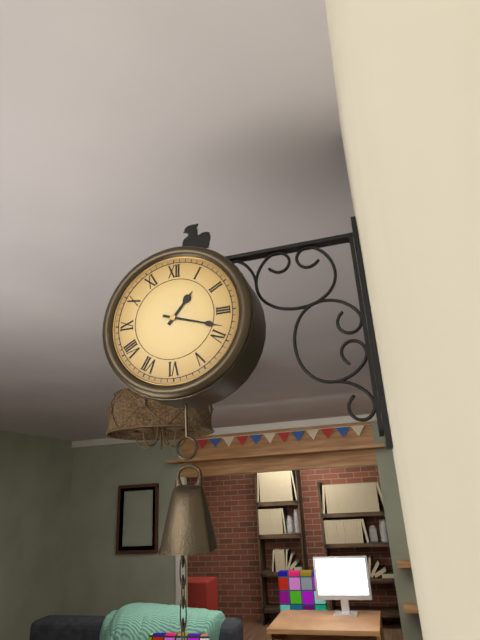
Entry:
h=1 m=18
